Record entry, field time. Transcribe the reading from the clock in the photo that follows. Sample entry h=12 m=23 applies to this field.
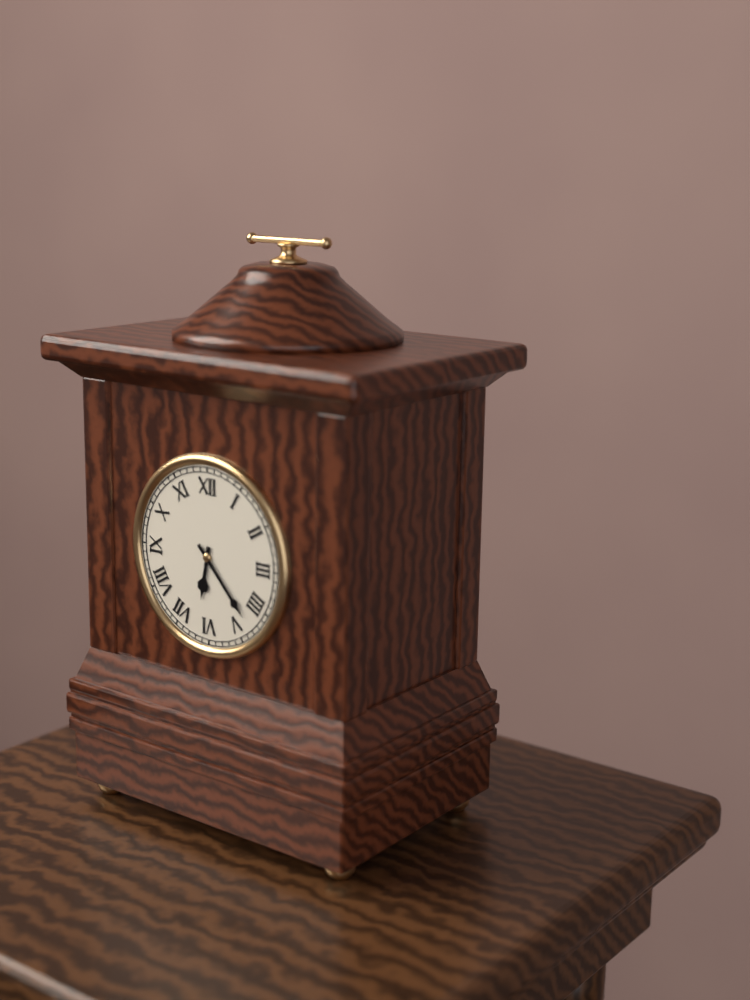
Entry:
h=6 m=23
